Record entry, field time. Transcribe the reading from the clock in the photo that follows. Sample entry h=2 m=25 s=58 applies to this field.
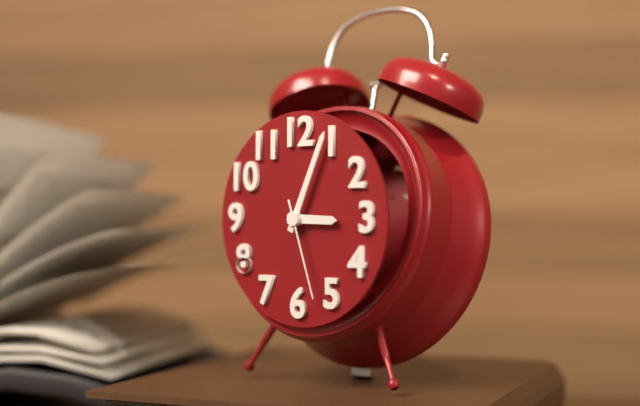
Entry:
h=3 m=4 s=27
